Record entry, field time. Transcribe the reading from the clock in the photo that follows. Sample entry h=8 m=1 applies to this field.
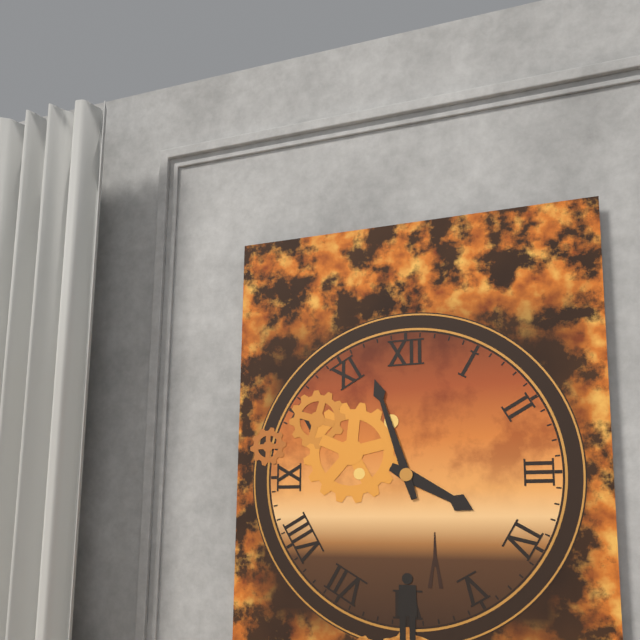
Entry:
h=3 m=57
